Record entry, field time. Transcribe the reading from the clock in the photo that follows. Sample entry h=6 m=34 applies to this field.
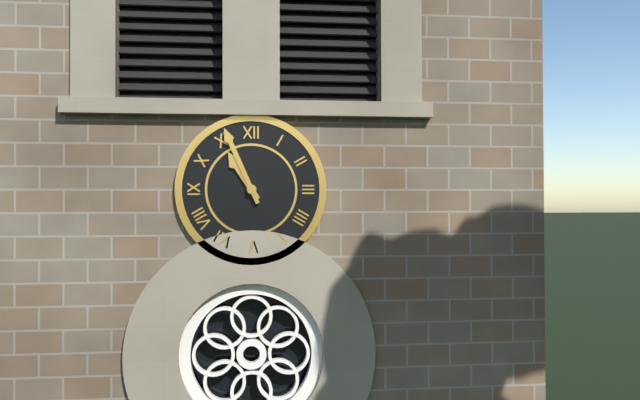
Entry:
h=10 m=56
